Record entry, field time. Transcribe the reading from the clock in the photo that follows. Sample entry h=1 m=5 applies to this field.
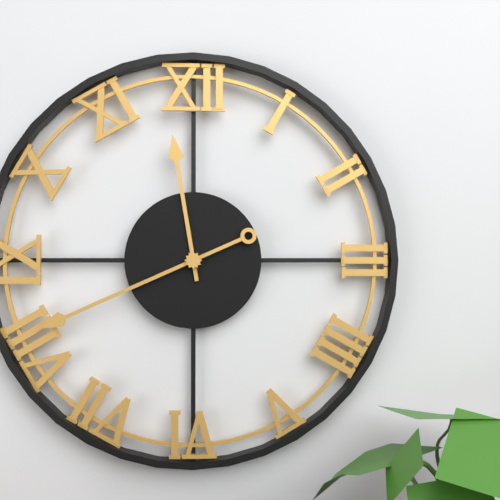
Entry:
h=11 m=41
